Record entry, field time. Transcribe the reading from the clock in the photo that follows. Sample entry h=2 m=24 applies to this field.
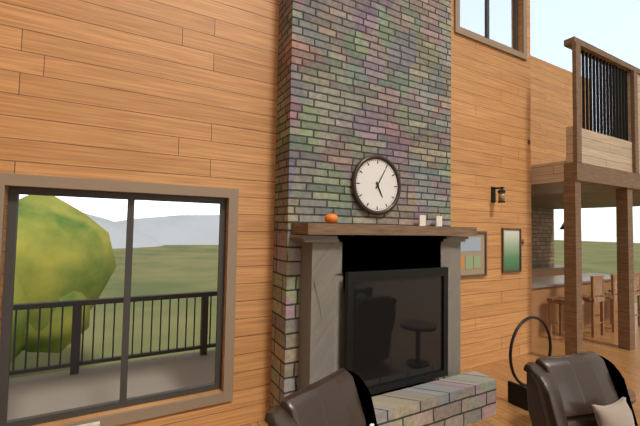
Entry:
h=5 m=5
